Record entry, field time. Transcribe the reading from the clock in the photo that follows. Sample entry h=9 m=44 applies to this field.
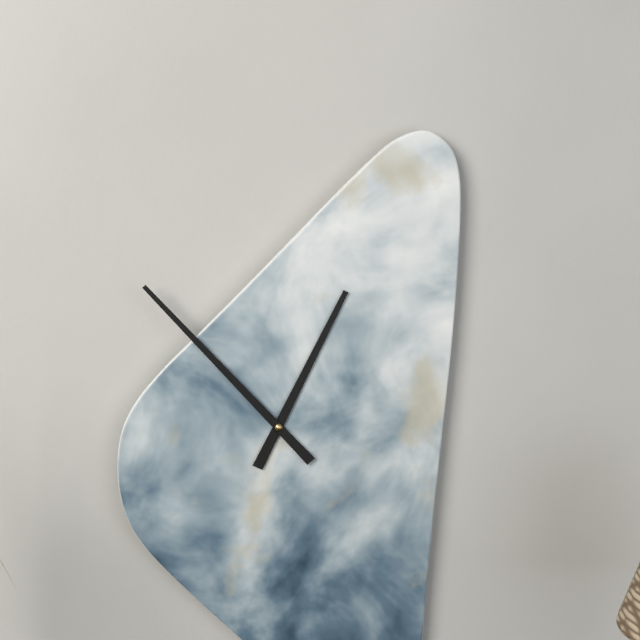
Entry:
h=12 m=53
